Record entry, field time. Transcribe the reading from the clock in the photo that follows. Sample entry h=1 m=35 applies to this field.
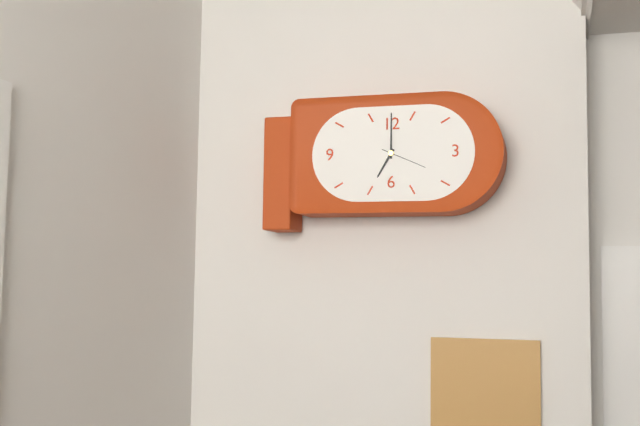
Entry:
h=7 m=0
